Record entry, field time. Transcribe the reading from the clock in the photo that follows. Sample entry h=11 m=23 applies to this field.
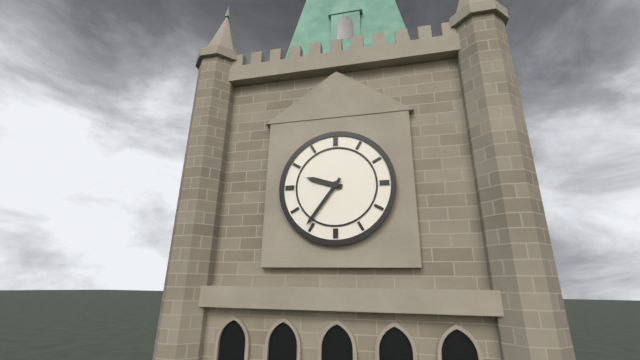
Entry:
h=9 m=36
